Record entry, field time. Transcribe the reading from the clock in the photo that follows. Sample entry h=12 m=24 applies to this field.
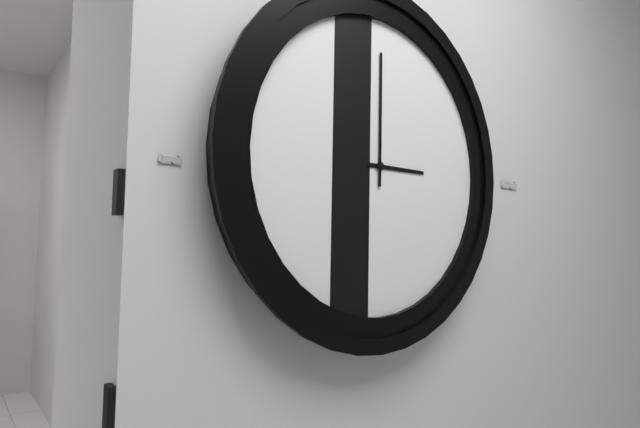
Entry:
h=3 m=0
